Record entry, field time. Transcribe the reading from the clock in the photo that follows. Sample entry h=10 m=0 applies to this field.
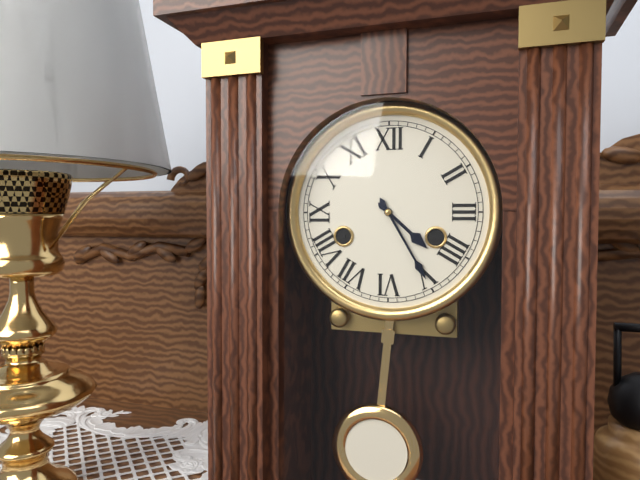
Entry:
h=4 m=25
